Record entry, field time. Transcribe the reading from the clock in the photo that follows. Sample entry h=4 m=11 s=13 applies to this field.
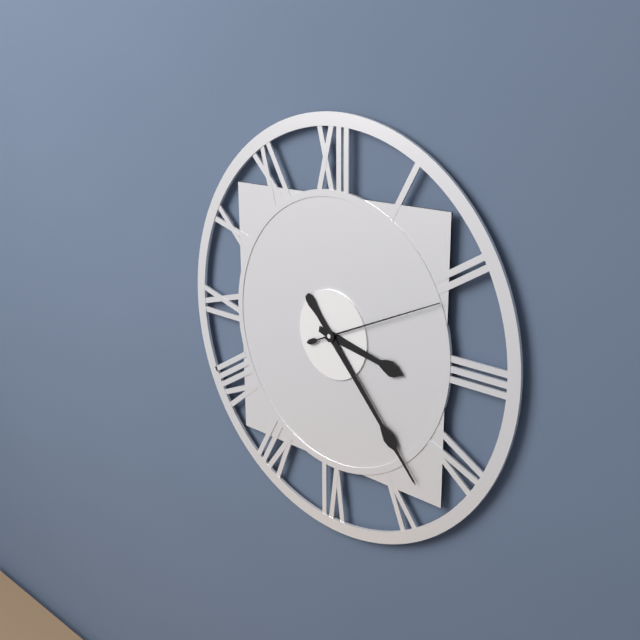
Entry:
h=3 m=23 s=11
